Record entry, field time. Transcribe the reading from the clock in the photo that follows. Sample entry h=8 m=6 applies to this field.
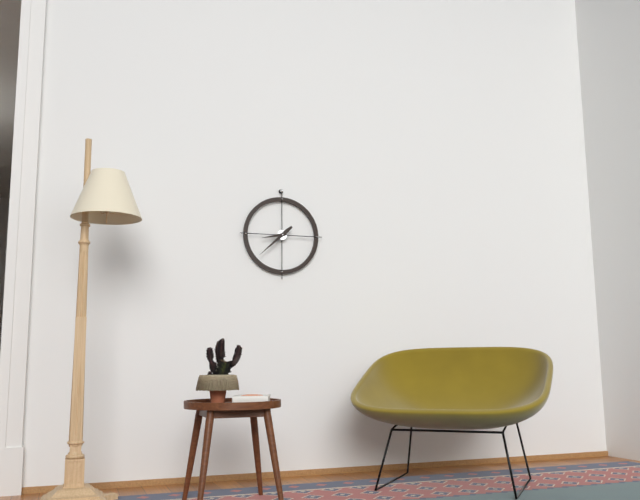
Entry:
h=8 m=38
